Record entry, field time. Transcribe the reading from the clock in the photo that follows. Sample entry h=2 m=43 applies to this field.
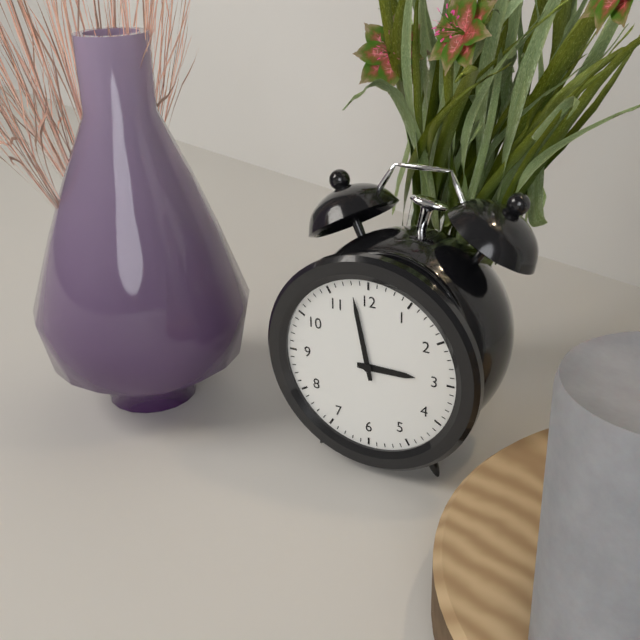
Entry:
h=2 m=58
